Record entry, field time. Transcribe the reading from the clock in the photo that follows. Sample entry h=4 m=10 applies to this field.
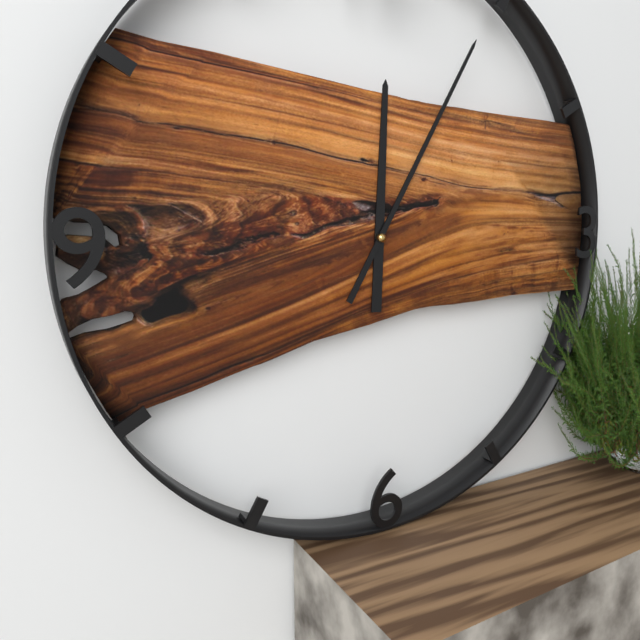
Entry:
h=12 m=5
